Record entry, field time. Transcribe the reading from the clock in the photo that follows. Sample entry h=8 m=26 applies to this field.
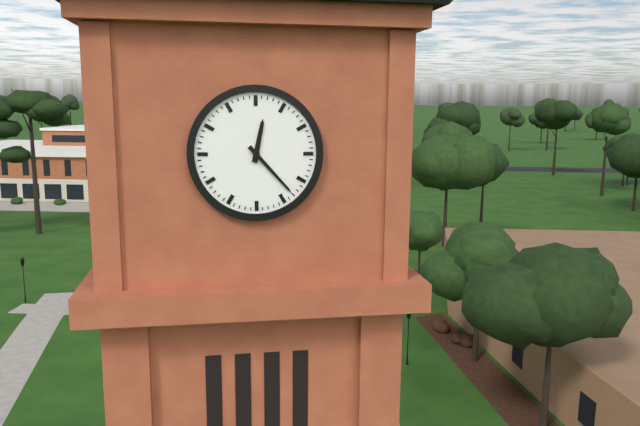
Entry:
h=12 m=23
